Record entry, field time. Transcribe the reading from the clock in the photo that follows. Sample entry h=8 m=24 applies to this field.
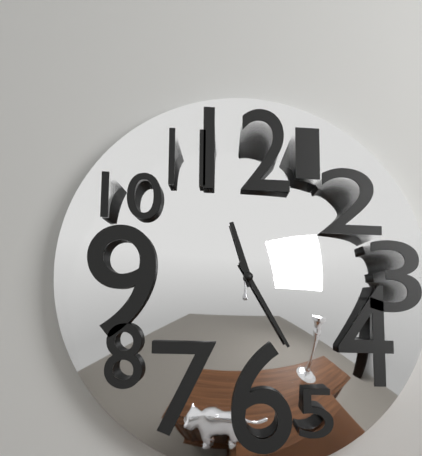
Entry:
h=11 m=25
